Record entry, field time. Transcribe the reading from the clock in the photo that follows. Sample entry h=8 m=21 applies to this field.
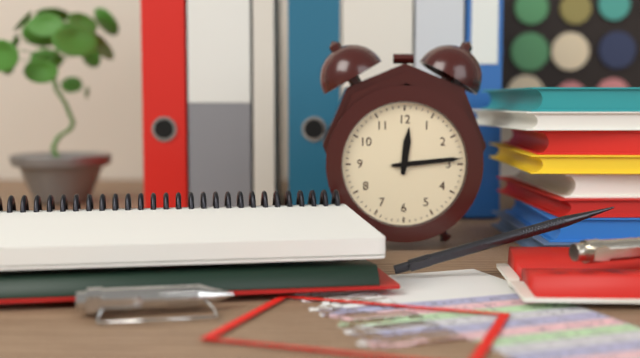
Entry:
h=12 m=14
